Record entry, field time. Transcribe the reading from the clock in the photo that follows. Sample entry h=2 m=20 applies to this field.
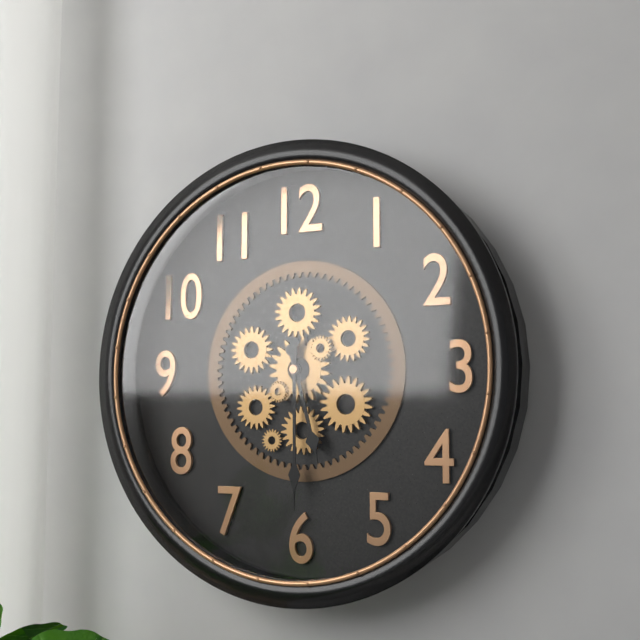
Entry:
h=5 m=30
